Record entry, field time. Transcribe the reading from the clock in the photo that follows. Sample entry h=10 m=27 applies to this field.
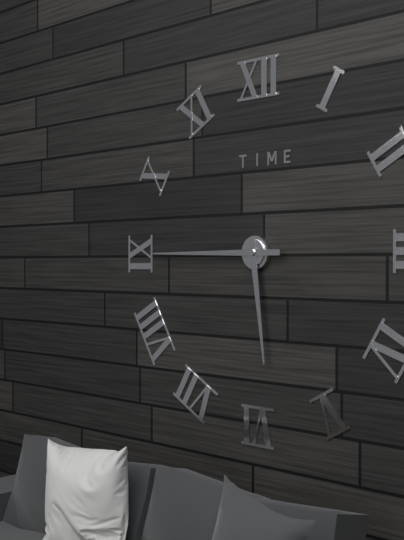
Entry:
h=5 m=45
